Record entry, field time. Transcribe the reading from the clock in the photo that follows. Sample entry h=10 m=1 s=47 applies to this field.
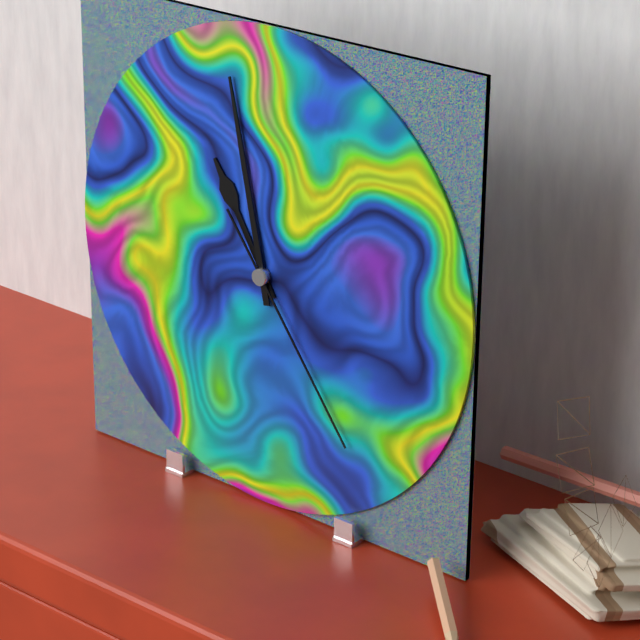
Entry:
h=10 m=58 s=24
